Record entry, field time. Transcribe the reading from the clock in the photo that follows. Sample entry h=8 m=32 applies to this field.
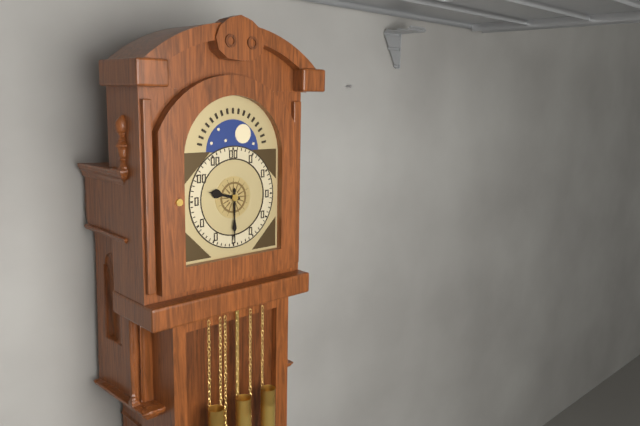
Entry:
h=9 m=30
